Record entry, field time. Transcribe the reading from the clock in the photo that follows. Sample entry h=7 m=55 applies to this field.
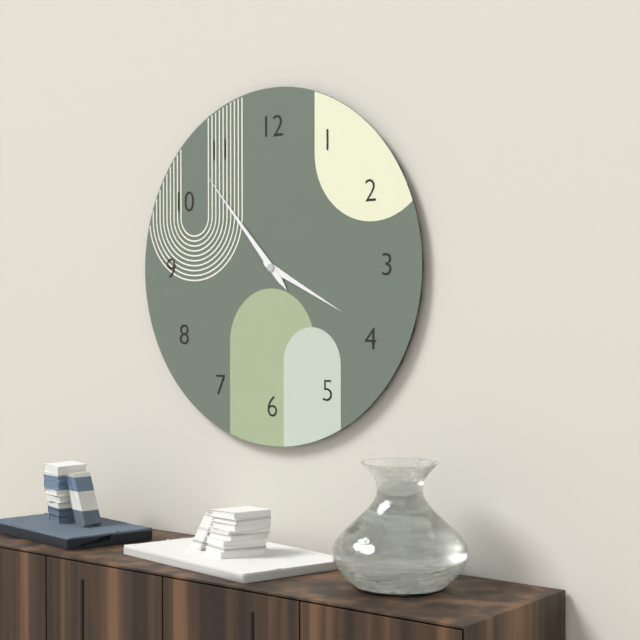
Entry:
h=3 m=53
